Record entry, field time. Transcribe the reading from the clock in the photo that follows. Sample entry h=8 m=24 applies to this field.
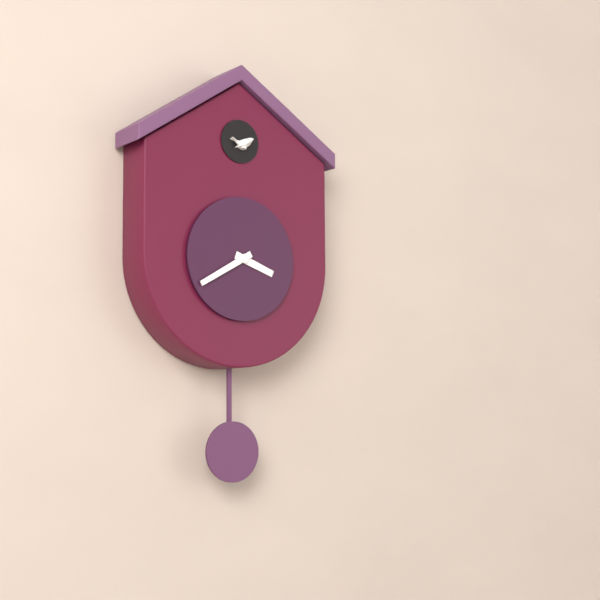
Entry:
h=3 m=40
